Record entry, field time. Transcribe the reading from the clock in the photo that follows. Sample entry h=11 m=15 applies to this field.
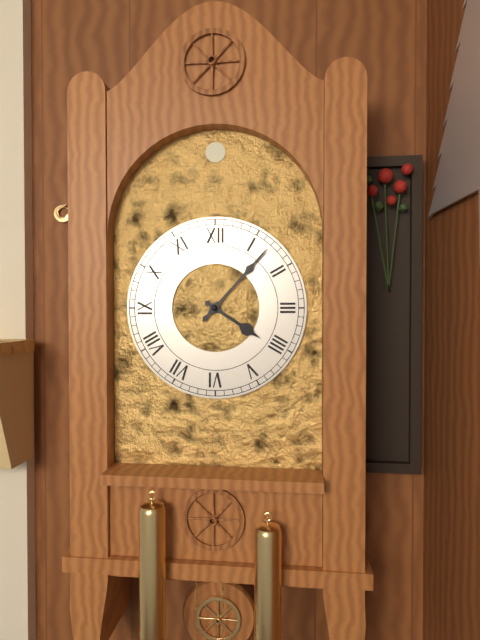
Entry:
h=4 m=7
